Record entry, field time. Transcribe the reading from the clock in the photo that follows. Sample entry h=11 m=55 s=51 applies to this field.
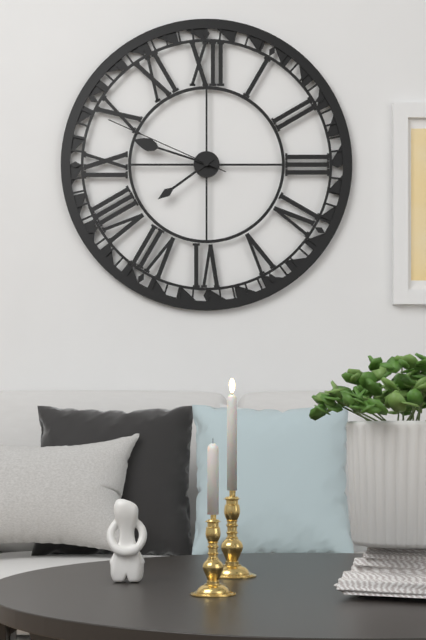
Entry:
h=7 m=48 s=49
